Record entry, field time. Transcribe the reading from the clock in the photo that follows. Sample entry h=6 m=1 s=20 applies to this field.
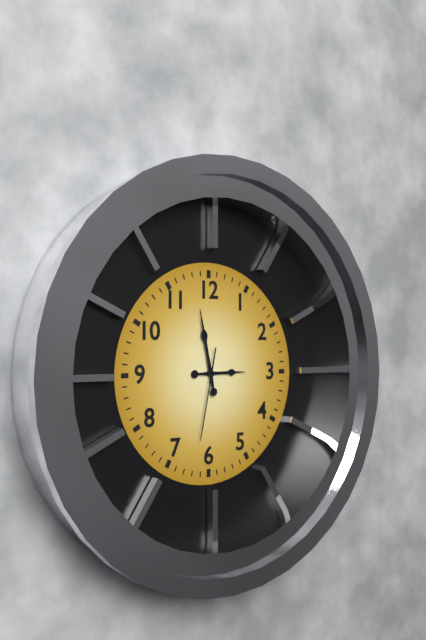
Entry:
h=2 m=58 s=32
